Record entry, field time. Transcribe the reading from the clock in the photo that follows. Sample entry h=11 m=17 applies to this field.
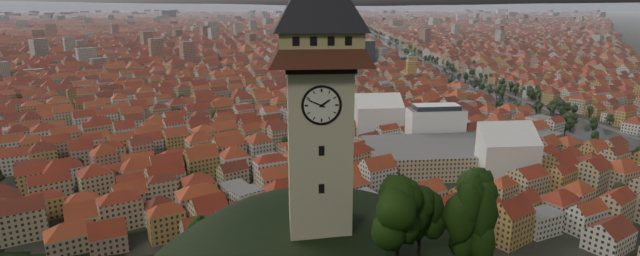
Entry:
h=1 m=49
